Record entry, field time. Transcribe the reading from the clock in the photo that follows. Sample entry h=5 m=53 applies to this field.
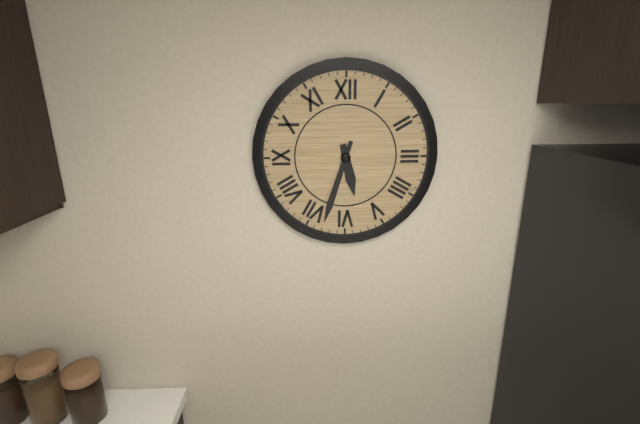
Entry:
h=5 m=33
